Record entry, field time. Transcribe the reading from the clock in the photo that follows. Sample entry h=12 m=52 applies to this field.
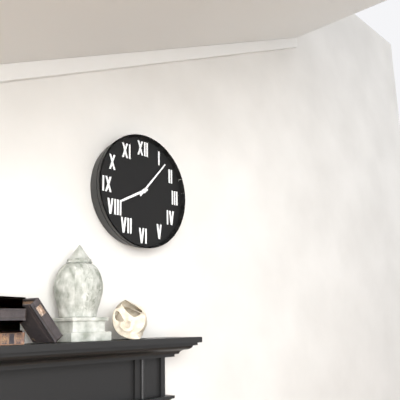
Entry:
h=8 m=7
